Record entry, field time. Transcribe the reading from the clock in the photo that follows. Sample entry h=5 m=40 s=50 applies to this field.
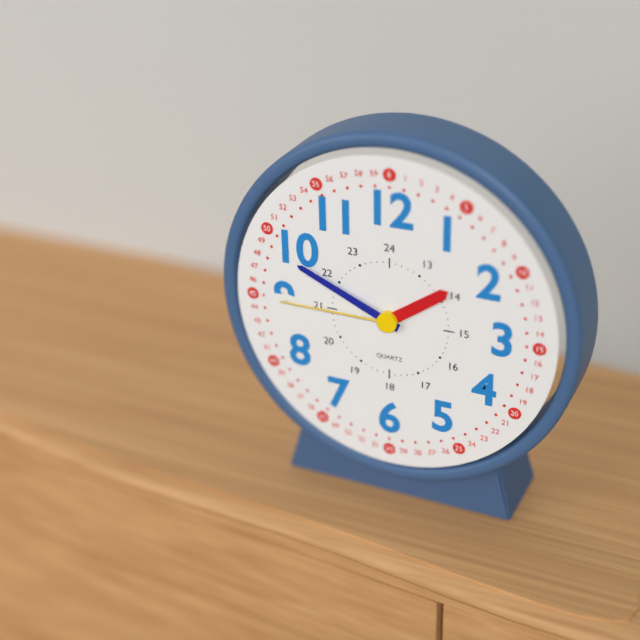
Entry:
h=1 m=49 s=45
